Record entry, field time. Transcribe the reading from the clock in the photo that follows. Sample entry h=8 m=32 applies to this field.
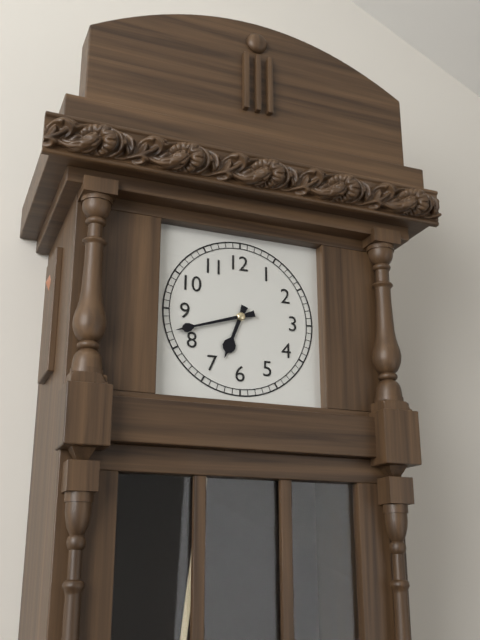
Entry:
h=6 m=42
